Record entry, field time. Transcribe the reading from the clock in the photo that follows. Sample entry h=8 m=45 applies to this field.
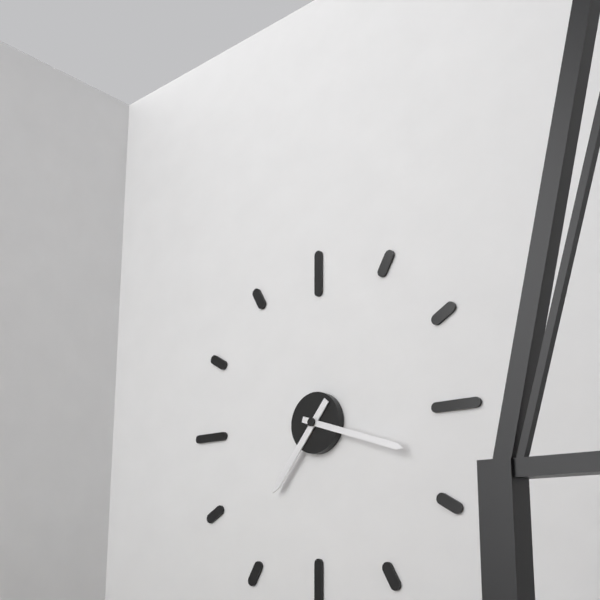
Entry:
h=7 m=18
